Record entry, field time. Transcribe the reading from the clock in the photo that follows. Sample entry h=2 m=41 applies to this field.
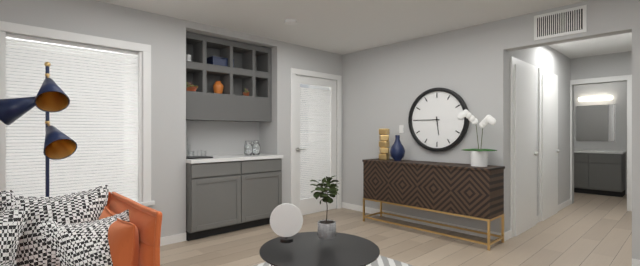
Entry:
h=5 m=45
